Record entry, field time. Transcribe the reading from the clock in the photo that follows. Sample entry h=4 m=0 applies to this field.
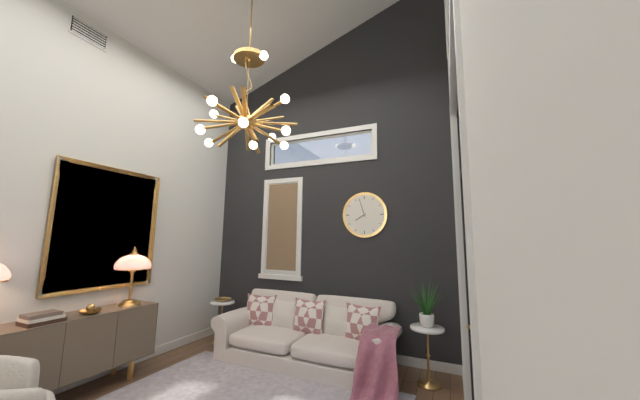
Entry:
h=7 m=57
